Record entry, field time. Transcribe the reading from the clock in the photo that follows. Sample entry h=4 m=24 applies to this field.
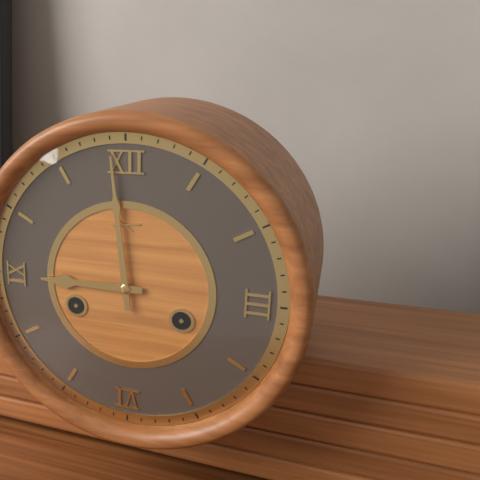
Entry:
h=8 m=59
